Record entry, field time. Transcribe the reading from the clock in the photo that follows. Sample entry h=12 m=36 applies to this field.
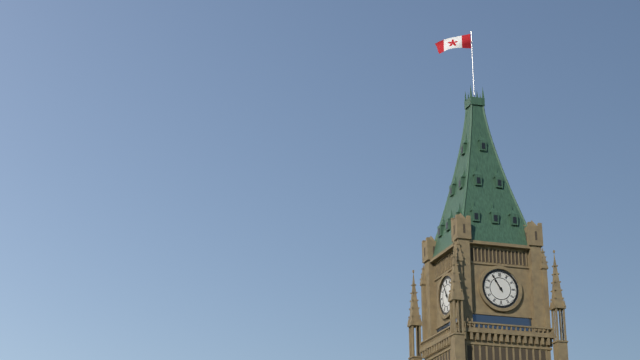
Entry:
h=10 m=55
